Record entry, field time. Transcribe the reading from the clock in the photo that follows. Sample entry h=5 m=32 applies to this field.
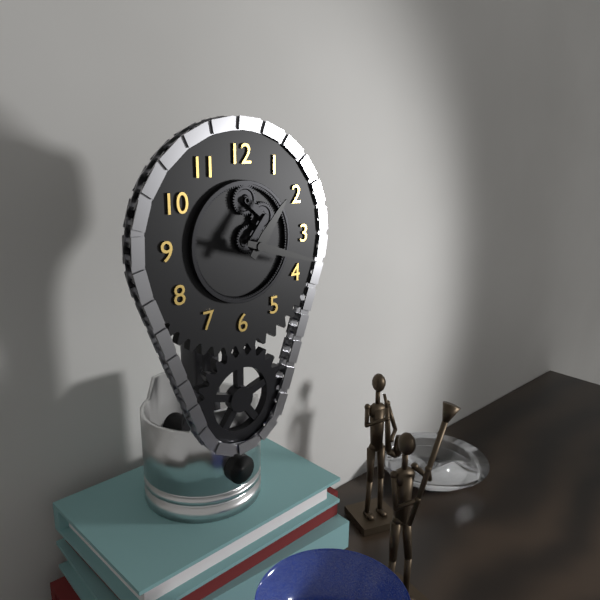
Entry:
h=1 m=18
